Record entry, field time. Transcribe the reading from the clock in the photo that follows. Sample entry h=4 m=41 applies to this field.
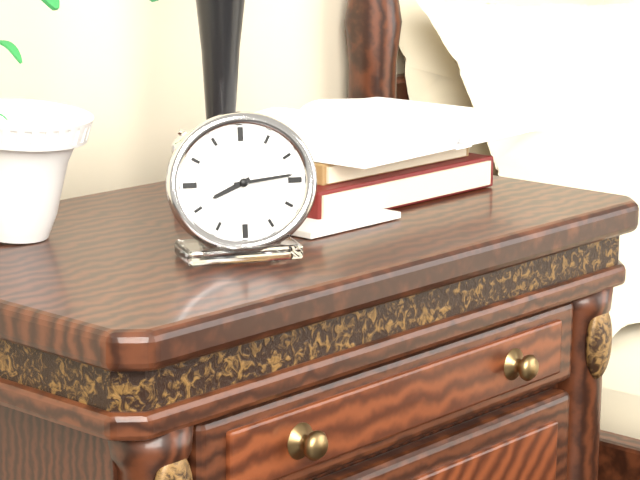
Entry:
h=8 m=14
